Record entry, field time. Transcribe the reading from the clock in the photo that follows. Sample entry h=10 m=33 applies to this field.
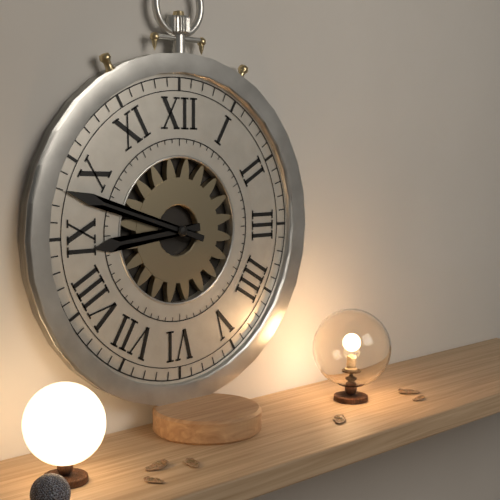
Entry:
h=8 m=48
